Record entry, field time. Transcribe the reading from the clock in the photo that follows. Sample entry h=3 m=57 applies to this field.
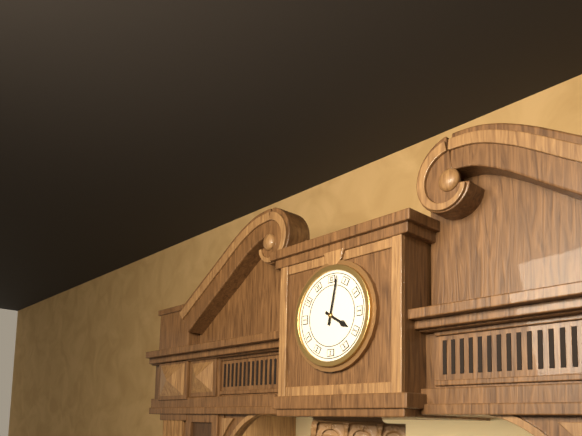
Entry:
h=4 m=2
